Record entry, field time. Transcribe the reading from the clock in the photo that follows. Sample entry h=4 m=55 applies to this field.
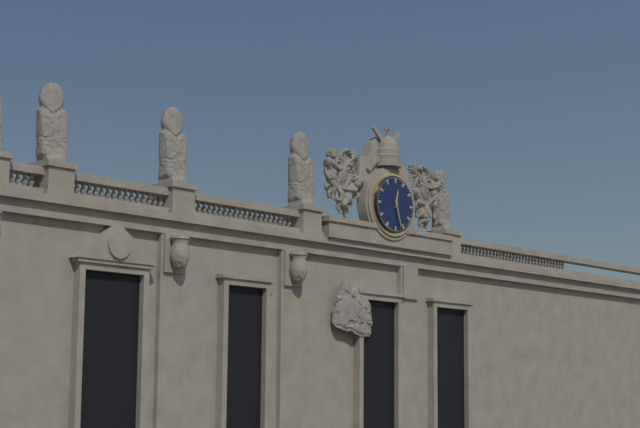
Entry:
h=12 m=27
